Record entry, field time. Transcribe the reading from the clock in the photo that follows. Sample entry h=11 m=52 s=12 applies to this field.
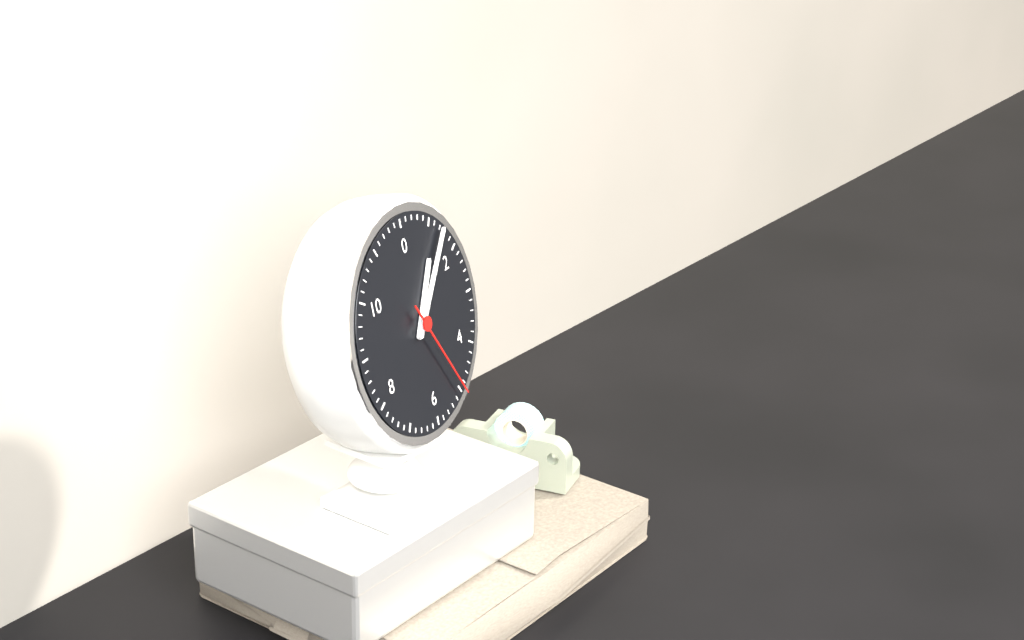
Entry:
h=1 m=7 s=25
